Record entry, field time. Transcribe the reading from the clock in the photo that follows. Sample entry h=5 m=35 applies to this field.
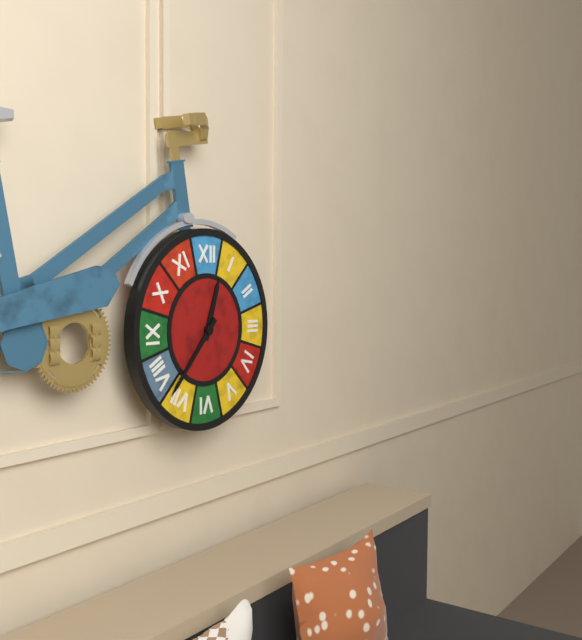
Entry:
h=12 m=37
